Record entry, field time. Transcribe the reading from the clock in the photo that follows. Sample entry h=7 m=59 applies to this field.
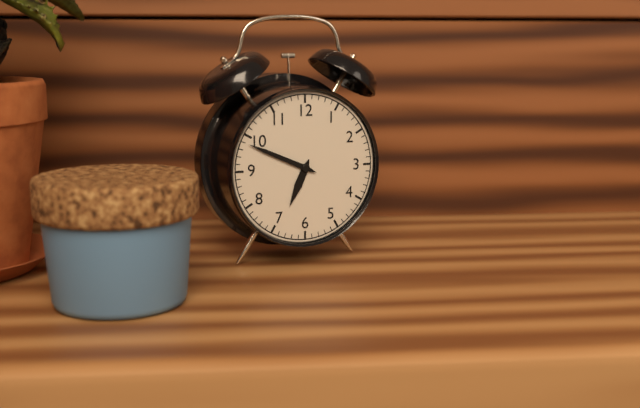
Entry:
h=6 m=49
